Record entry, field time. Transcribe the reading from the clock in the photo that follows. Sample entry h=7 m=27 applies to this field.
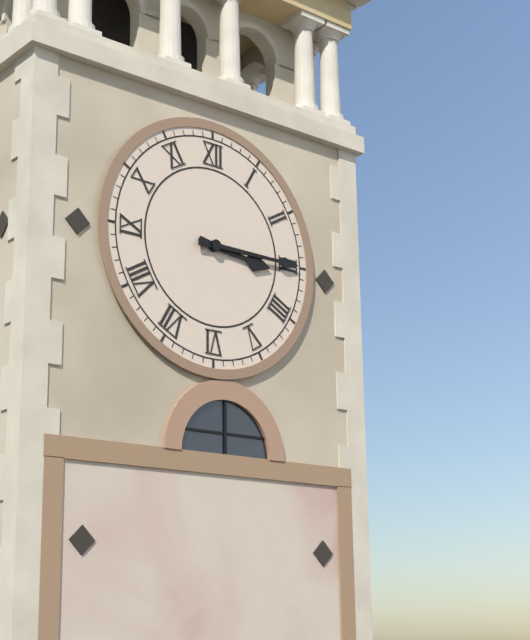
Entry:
h=3 m=15
